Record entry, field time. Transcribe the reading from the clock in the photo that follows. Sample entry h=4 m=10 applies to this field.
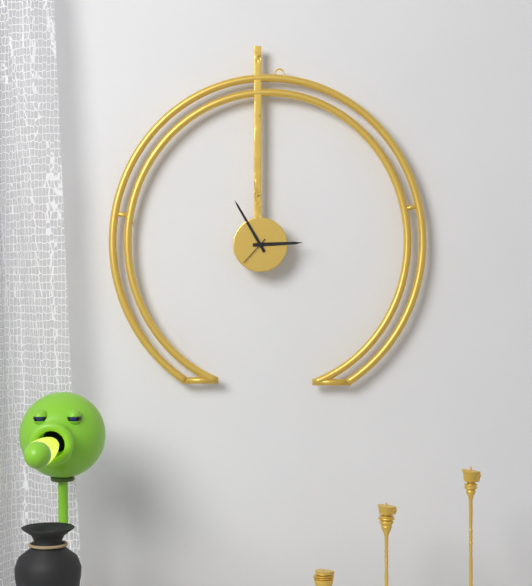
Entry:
h=2 m=55
